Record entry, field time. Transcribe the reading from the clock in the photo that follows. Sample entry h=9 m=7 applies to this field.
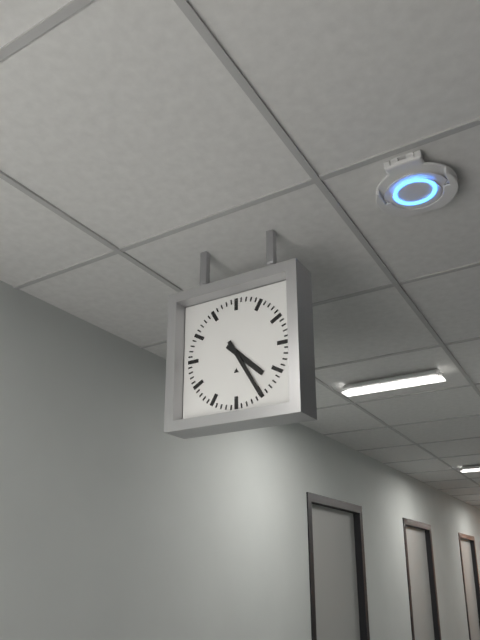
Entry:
h=4 m=25
